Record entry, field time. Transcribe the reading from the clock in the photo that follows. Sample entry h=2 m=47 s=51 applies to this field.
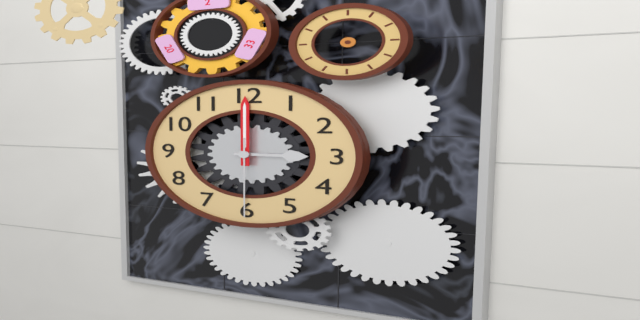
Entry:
h=3 m=0 s=30
